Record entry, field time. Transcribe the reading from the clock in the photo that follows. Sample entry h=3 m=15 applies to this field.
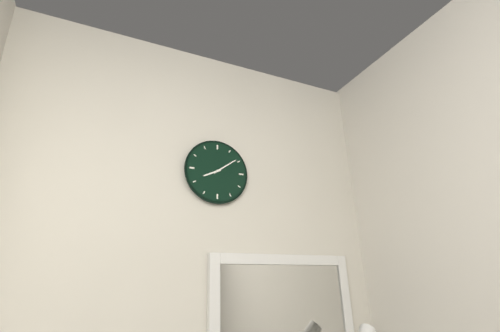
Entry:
h=8 m=9
